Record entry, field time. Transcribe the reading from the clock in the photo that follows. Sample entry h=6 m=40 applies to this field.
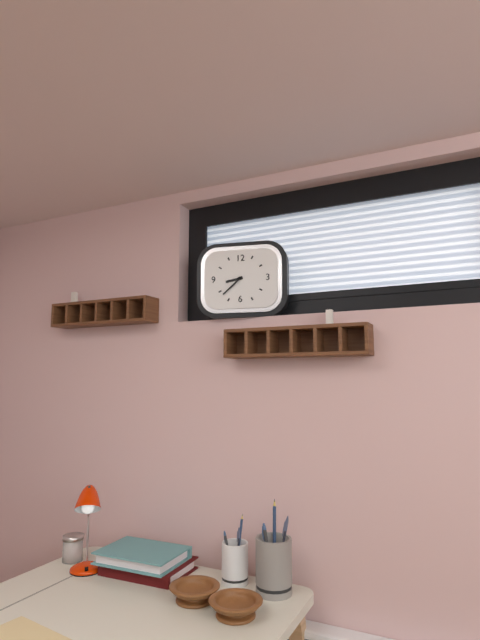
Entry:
h=8 m=38
